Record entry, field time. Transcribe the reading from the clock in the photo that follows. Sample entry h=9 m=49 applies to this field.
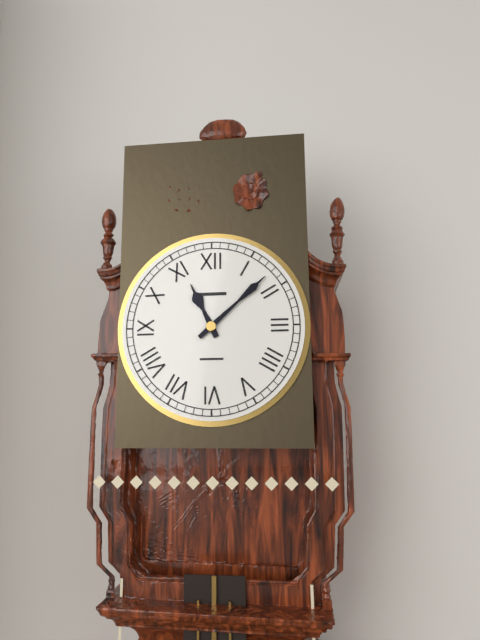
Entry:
h=11 m=8
